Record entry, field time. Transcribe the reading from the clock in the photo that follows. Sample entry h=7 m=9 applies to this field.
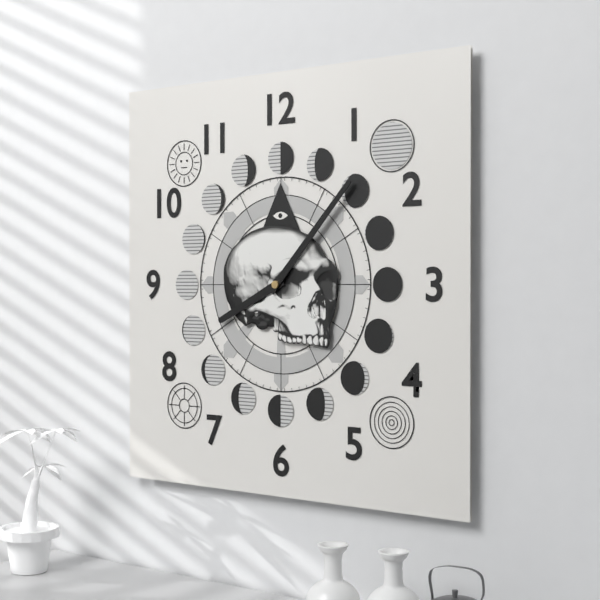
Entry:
h=8 m=7
